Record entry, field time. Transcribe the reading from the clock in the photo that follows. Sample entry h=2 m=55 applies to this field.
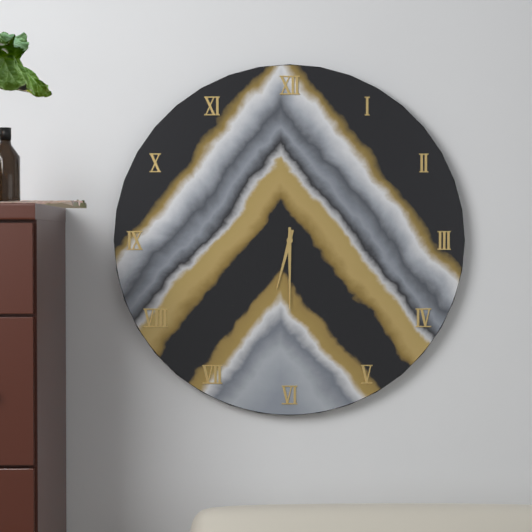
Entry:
h=6 m=30
